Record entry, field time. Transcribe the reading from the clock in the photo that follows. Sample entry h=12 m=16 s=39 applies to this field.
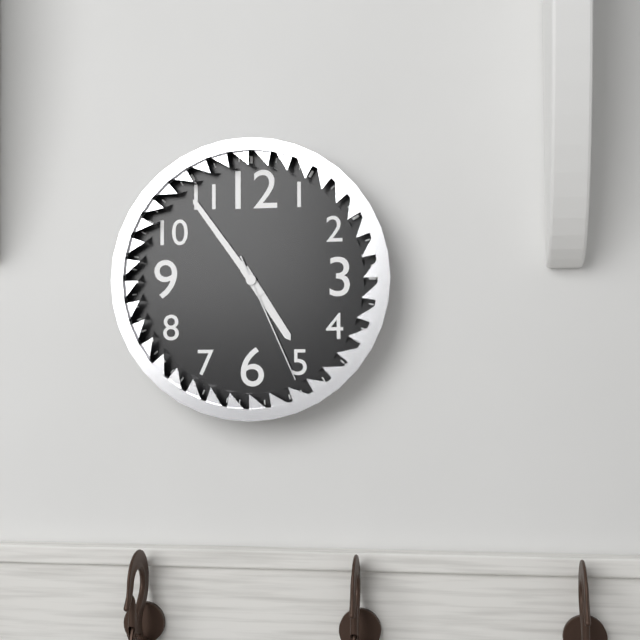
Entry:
h=4 m=54 s=26
